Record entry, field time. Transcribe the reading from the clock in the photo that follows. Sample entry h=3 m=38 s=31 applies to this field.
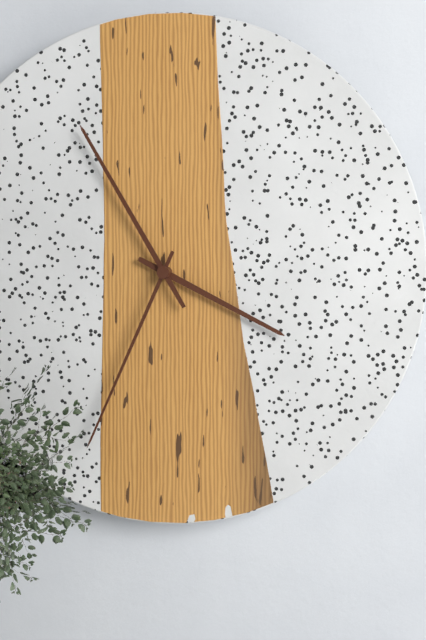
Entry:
h=3 m=55 s=34
